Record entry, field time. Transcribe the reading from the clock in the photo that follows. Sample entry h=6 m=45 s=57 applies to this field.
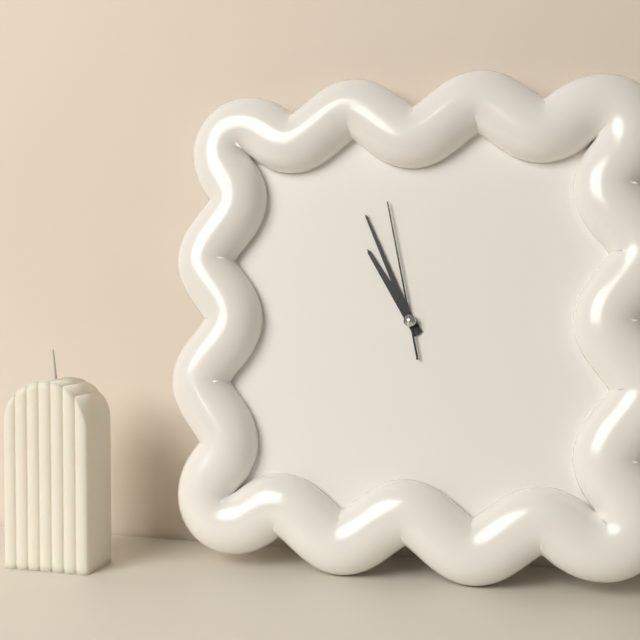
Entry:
h=10 m=56 s=58
